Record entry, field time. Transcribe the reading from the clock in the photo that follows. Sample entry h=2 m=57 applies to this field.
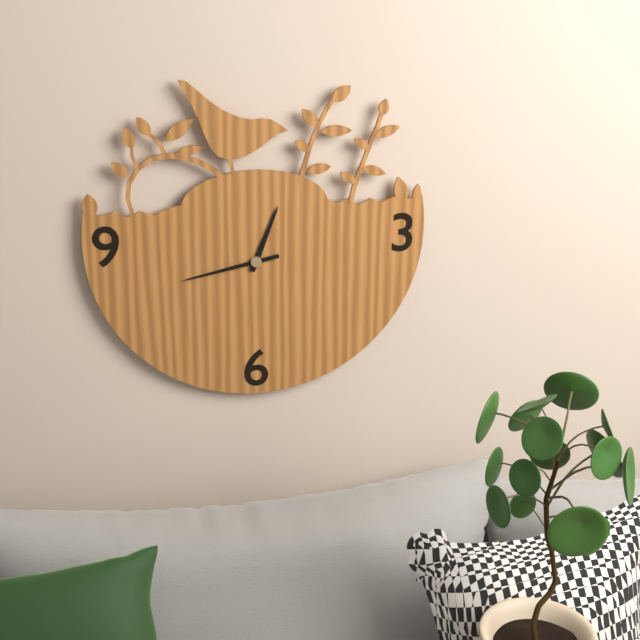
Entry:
h=12 m=43
